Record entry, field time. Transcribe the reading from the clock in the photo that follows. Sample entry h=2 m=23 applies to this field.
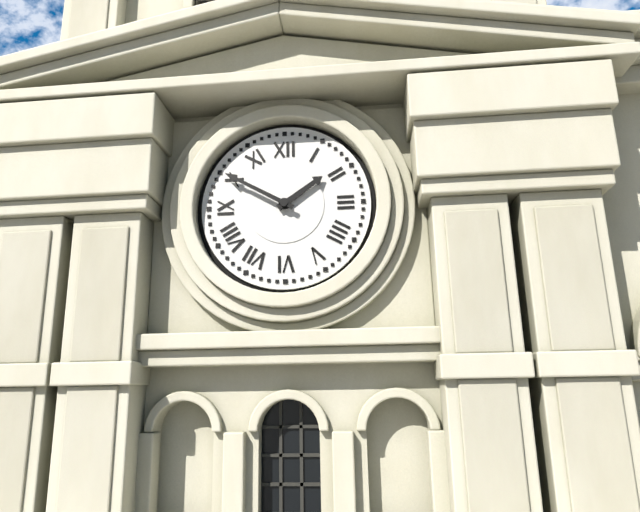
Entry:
h=1 m=50
